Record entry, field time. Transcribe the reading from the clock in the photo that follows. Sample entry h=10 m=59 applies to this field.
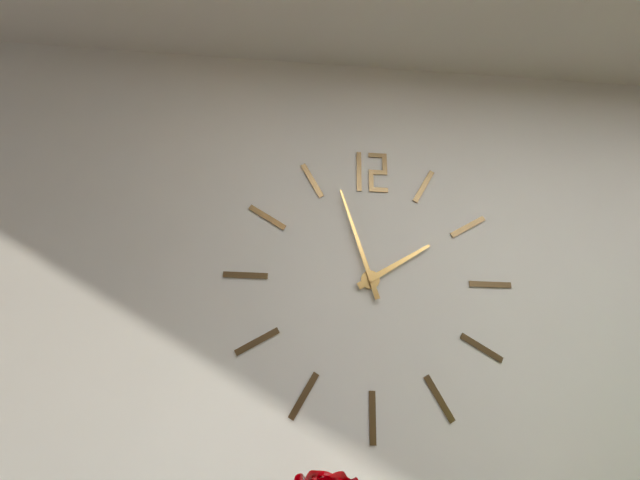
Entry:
h=1 m=57
